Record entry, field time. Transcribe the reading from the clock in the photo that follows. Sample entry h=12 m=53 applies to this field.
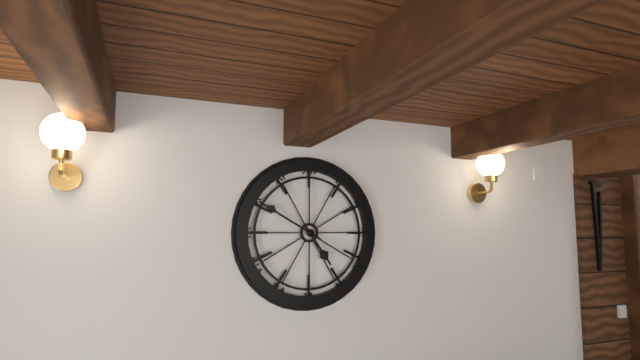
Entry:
h=4 m=50
